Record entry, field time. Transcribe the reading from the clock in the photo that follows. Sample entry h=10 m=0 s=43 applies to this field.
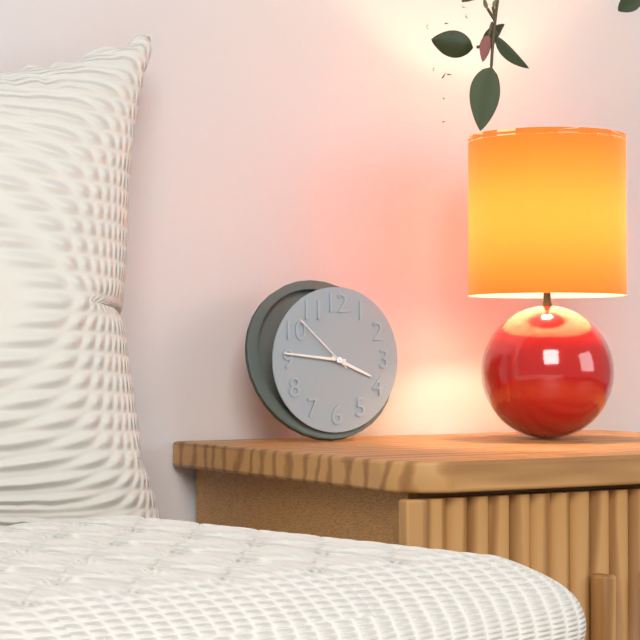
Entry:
h=3 m=46 s=52
